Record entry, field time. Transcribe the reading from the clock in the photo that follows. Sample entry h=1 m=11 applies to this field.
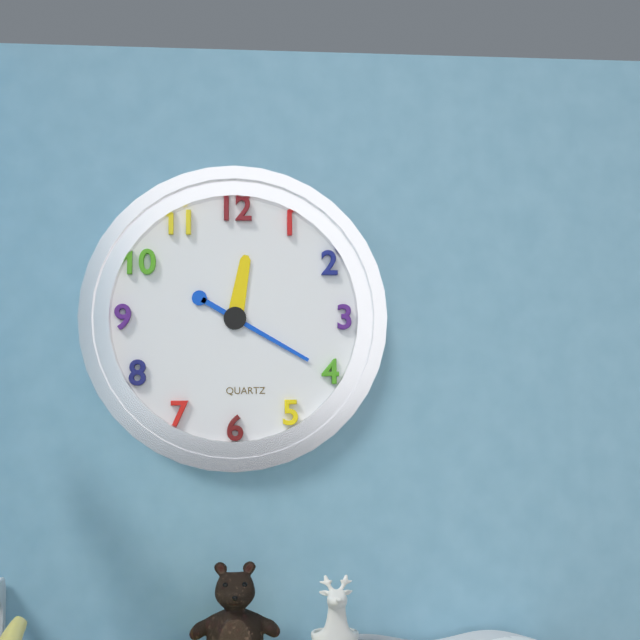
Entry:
h=12 m=20
